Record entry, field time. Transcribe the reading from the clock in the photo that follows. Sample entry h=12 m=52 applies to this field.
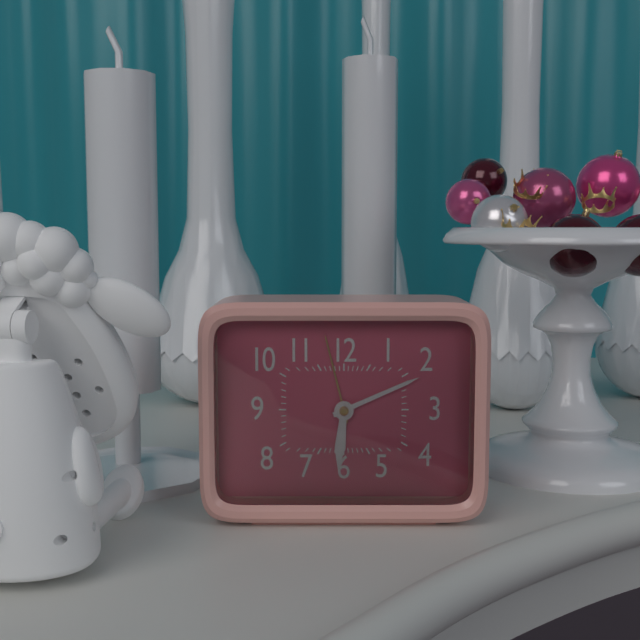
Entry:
h=6 m=11
